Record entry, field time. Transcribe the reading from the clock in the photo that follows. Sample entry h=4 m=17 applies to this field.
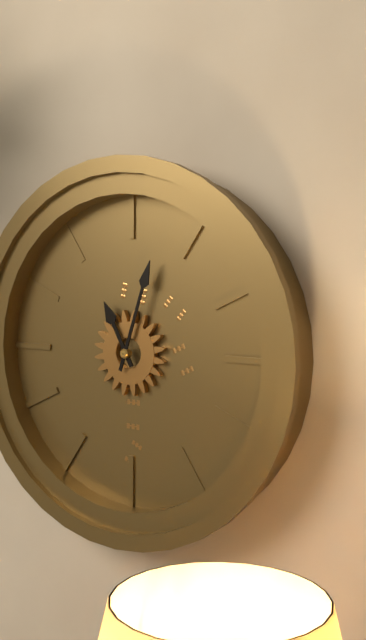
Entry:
h=11 m=3
